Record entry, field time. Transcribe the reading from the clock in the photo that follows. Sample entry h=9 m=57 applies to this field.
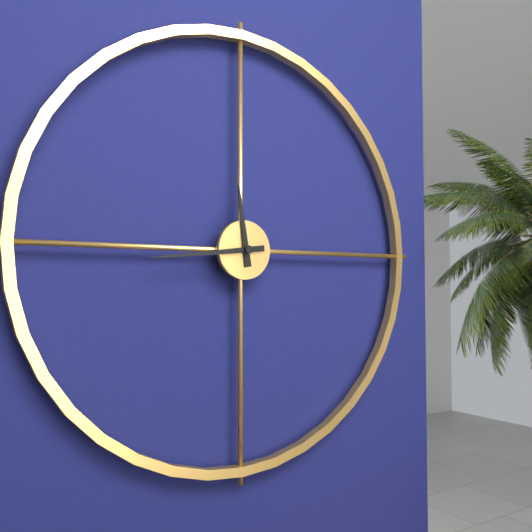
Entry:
h=11 m=44
